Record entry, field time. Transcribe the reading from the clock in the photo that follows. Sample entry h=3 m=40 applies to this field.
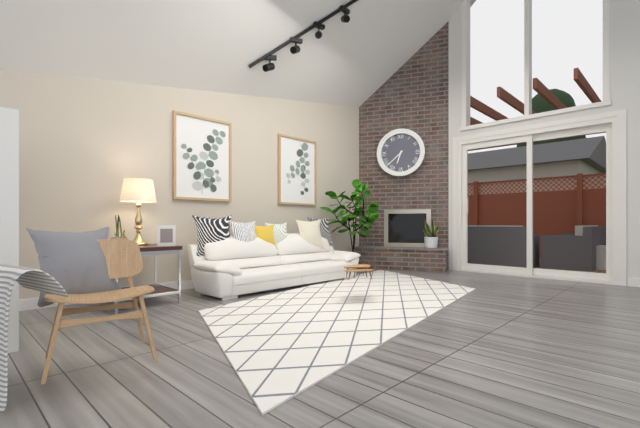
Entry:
h=6 m=38
